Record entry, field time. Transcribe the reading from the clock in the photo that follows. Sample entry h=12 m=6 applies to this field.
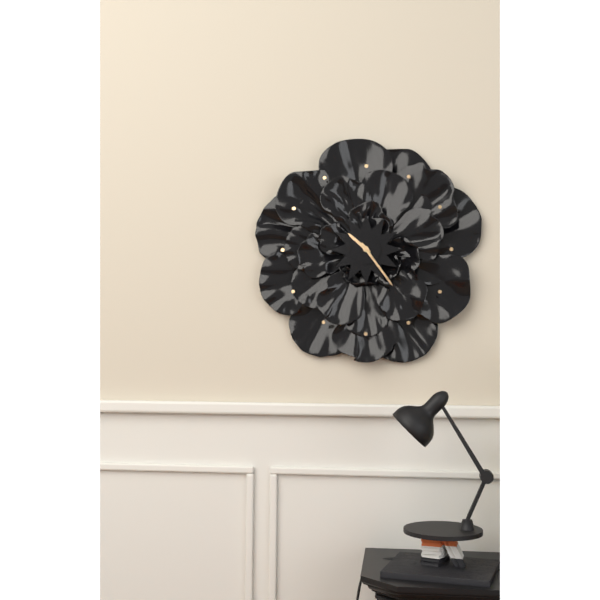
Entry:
h=10 m=24
